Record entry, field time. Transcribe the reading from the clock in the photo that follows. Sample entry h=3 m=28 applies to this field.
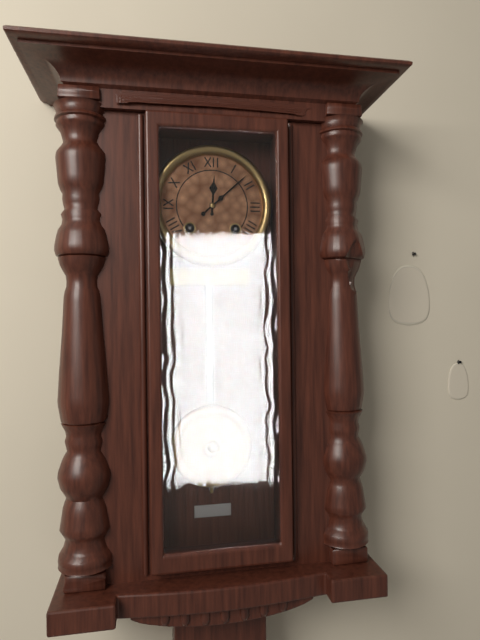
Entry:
h=12 m=8
